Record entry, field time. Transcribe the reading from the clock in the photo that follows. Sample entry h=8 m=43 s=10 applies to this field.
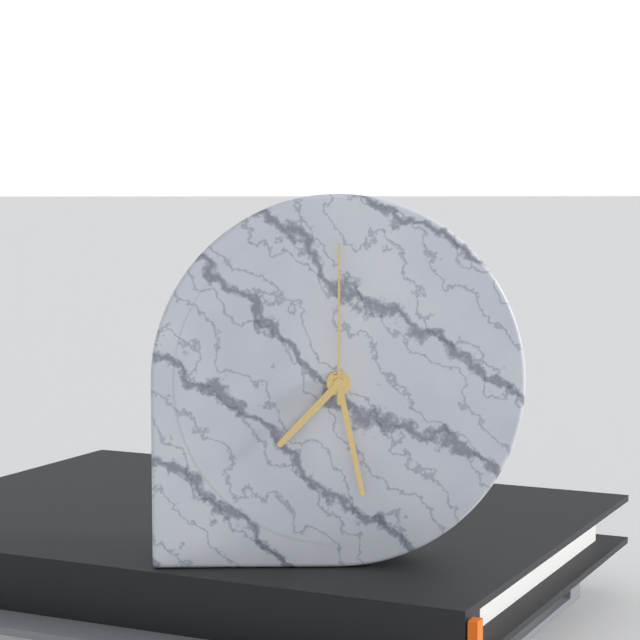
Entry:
h=7 m=28 s=0
